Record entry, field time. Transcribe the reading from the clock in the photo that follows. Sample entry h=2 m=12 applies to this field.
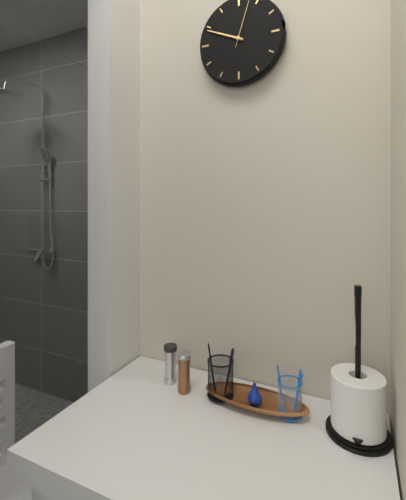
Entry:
h=9 m=49
